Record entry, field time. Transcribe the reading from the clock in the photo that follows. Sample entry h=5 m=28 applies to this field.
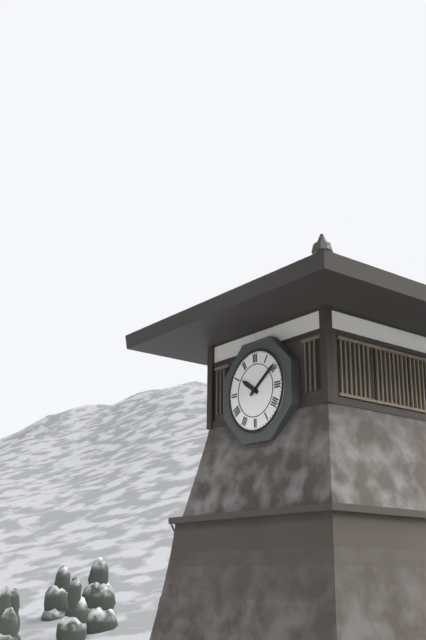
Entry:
h=10 m=9
